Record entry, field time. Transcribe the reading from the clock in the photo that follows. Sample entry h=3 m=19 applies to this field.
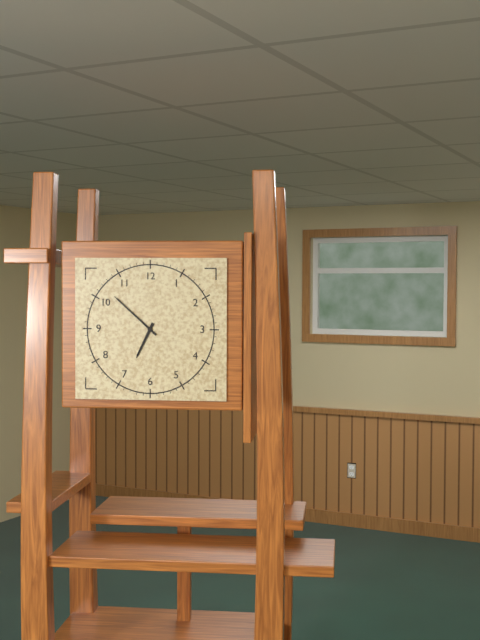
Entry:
h=6 m=52
